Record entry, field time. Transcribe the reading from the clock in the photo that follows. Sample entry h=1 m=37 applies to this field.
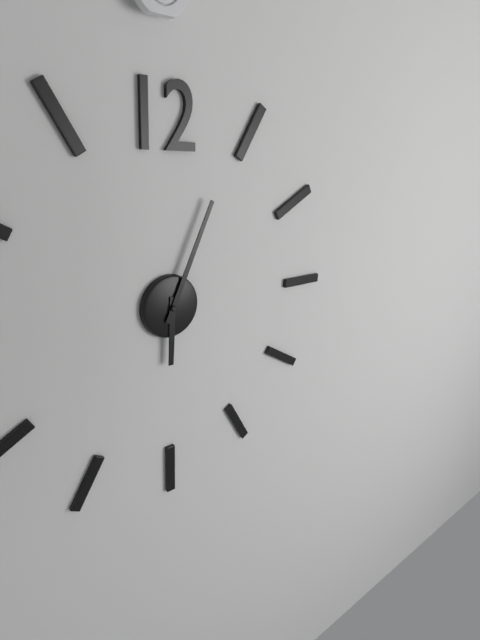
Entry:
h=6 m=4
